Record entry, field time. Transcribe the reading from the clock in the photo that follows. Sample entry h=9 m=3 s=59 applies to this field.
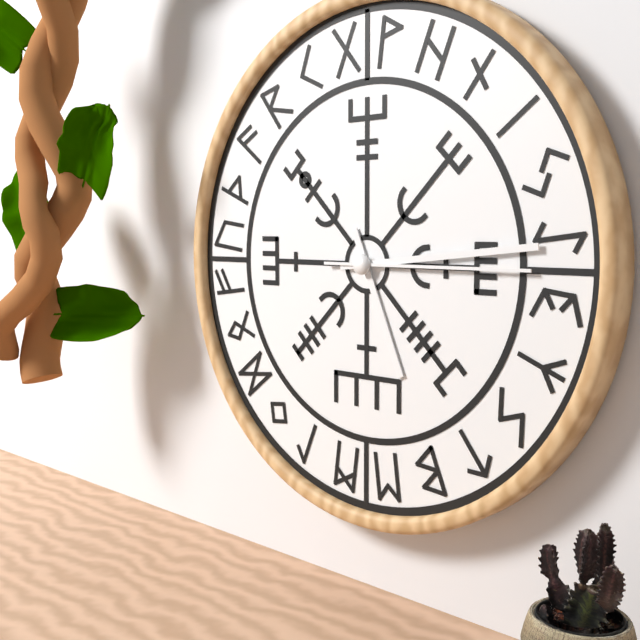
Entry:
h=5 m=14 s=15
